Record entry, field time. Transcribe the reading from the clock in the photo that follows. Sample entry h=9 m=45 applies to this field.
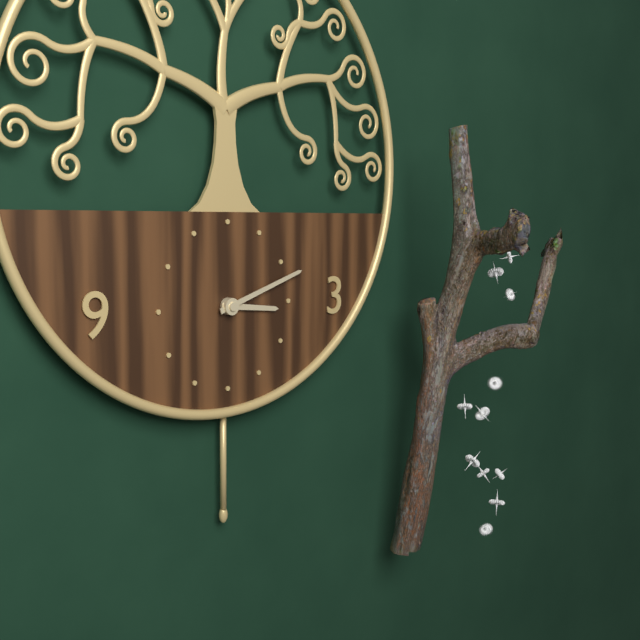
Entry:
h=3 m=12
